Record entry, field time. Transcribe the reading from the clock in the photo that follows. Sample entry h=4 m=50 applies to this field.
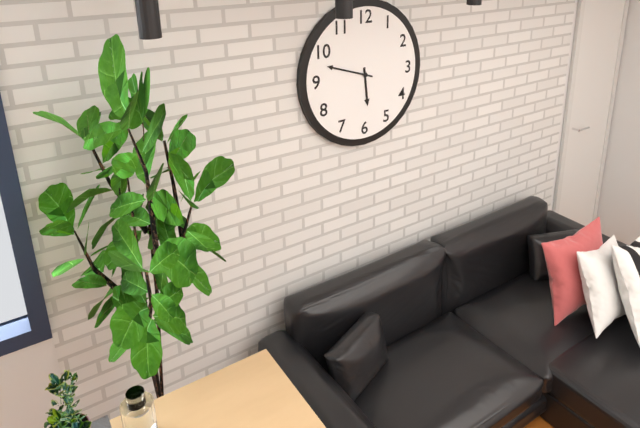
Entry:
h=5 m=48
